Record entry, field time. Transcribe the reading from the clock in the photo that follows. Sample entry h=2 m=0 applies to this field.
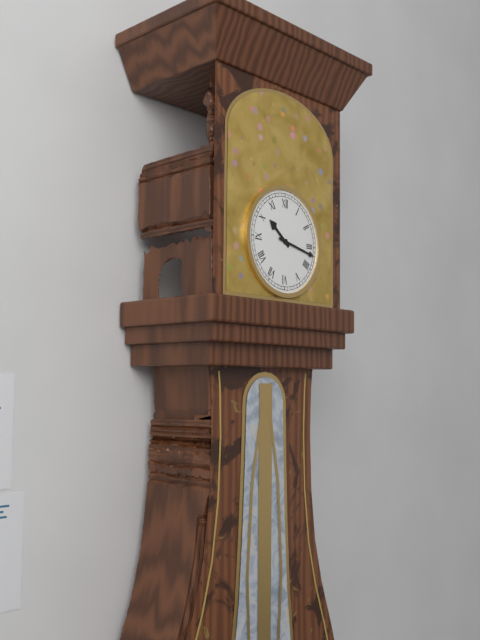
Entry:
h=10 m=17
